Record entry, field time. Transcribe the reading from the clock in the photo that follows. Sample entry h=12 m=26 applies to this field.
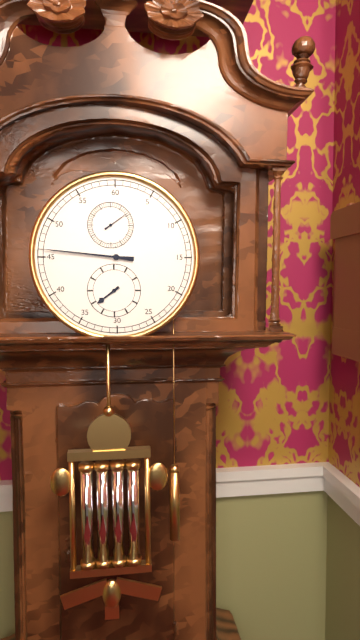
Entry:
h=7 m=46
